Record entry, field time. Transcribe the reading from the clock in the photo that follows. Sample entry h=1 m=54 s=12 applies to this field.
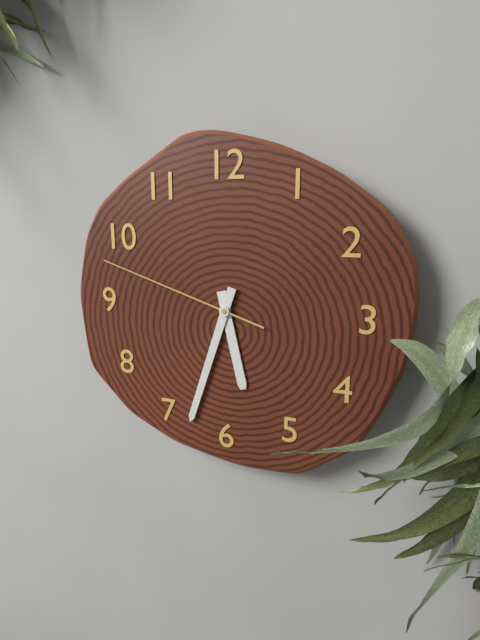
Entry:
h=5 m=33 s=48
